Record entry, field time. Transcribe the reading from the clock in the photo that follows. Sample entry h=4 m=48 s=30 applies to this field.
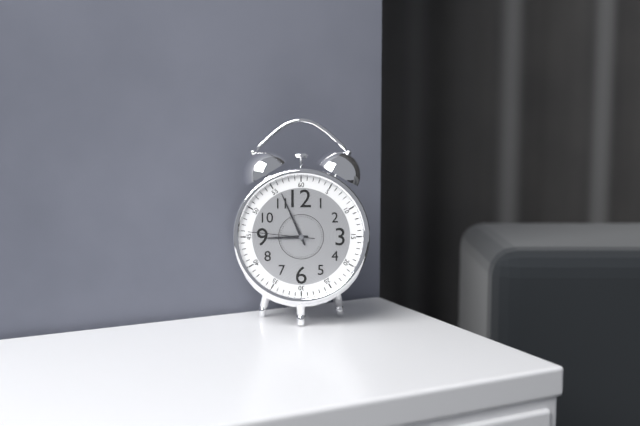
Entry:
h=8 m=56 s=46
